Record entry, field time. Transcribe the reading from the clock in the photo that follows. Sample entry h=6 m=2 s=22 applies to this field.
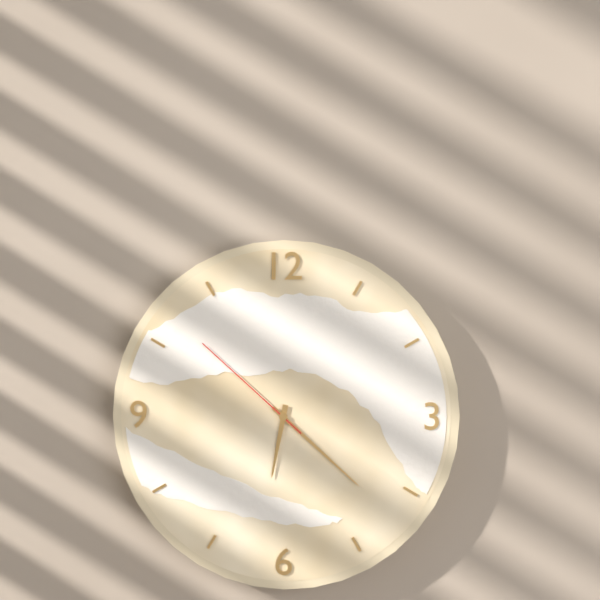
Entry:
h=6 m=22 s=52
